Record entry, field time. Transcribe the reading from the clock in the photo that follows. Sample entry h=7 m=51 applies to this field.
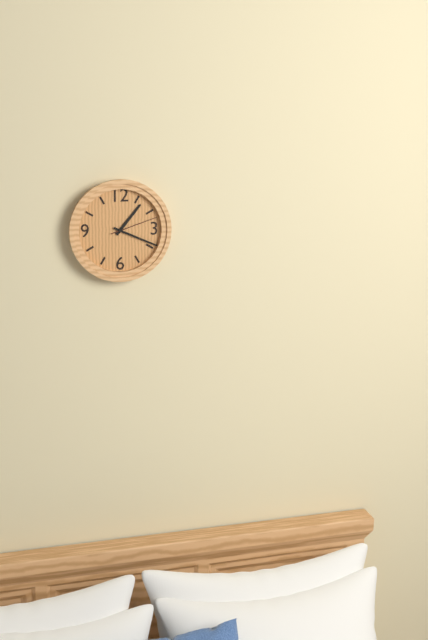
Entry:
h=1 m=19
